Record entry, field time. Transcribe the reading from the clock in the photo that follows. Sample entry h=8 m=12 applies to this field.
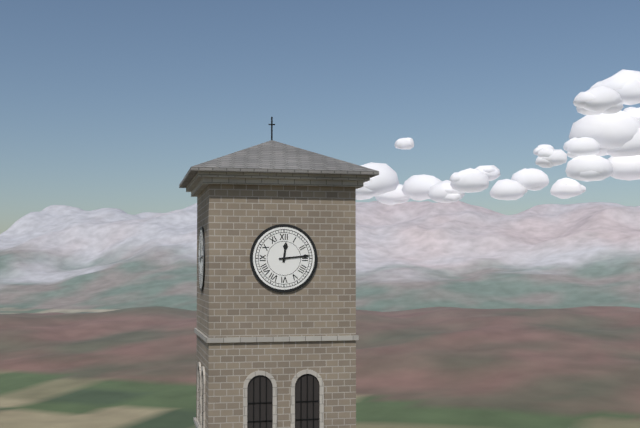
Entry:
h=12 m=14
